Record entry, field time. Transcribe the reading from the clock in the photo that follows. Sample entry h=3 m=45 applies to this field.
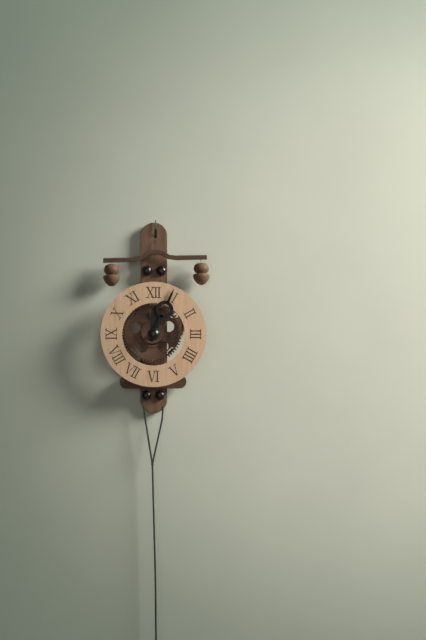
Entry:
h=12 m=4
